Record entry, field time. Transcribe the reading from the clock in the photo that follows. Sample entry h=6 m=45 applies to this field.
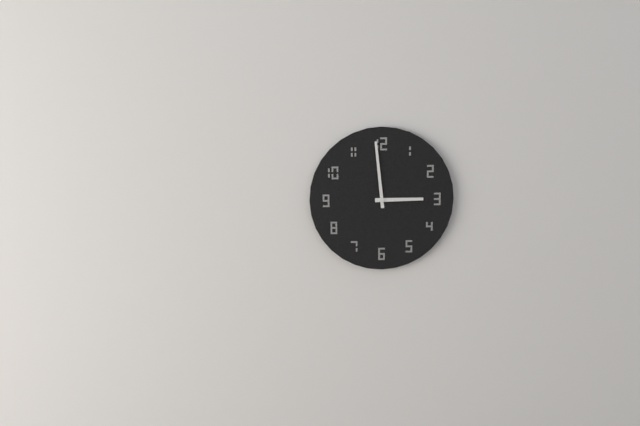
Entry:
h=2 m=59
